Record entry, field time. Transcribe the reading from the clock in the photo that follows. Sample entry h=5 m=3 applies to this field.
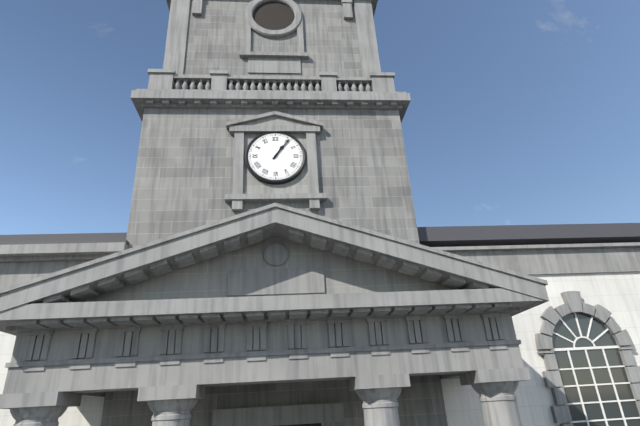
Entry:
h=1 m=6
